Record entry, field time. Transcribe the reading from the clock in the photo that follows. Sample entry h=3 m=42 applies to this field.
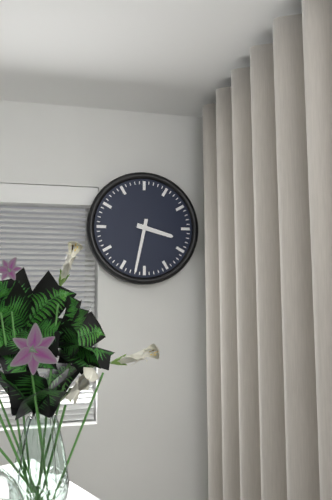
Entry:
h=3 m=32
